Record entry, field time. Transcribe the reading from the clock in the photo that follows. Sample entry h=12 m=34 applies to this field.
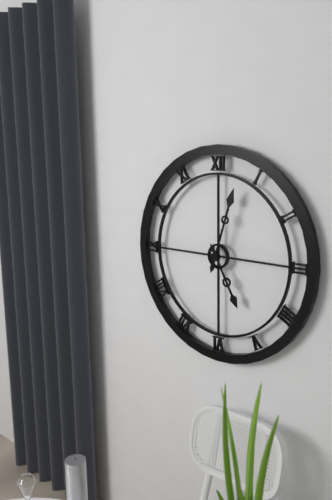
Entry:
h=5 m=3
